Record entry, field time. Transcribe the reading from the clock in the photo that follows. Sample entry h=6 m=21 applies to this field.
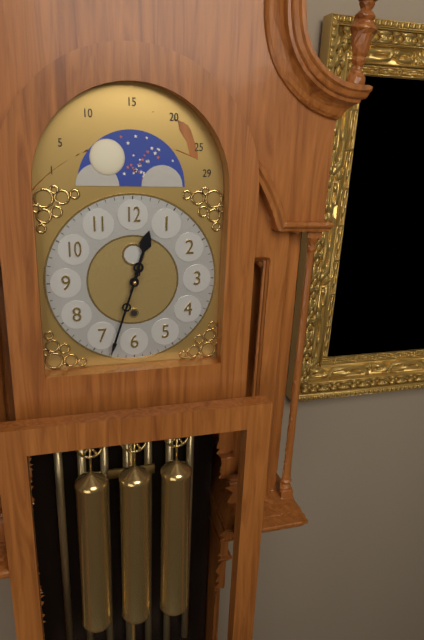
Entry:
h=12 m=33
